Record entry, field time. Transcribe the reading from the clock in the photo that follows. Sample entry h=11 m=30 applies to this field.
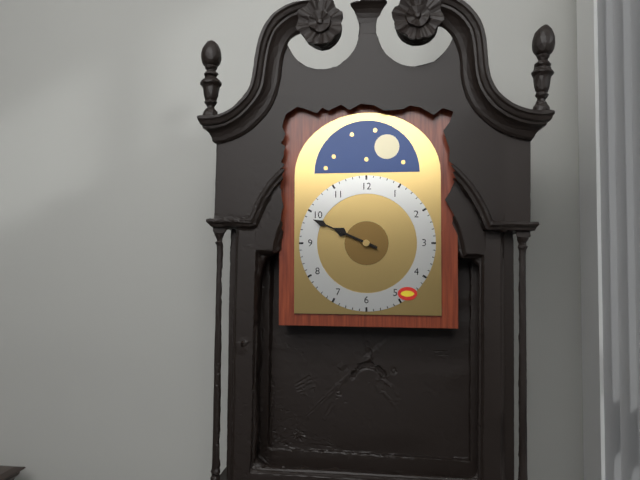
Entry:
h=9 m=49
